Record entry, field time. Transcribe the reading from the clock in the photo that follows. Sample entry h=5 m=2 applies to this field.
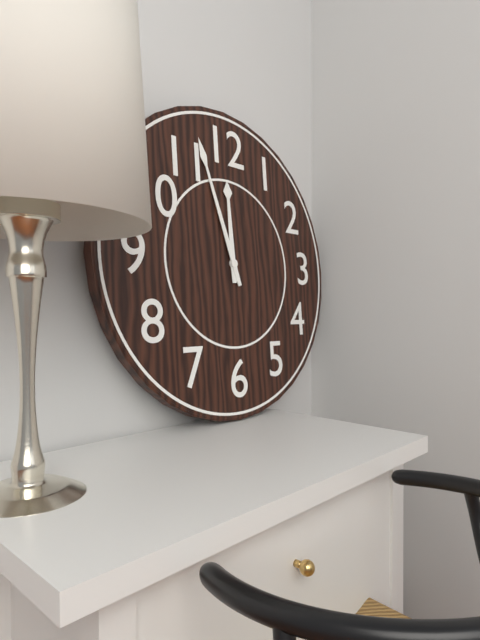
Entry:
h=11 m=57
